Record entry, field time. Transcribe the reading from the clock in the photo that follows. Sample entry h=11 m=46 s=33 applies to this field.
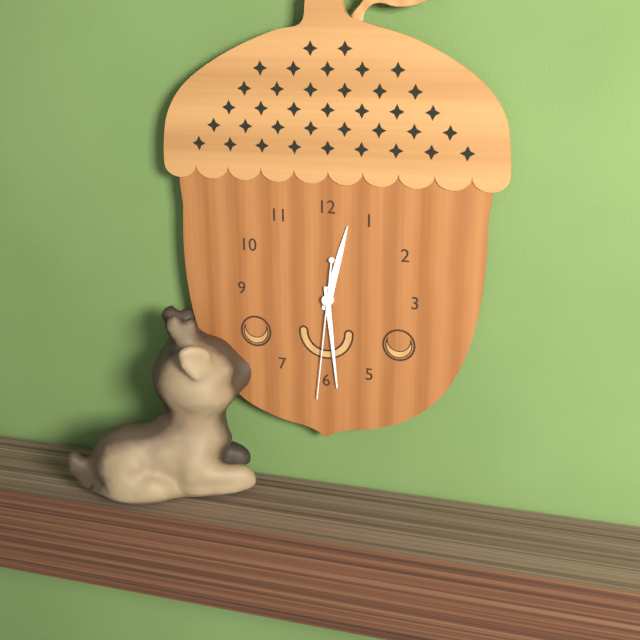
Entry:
h=12 m=29 s=31
